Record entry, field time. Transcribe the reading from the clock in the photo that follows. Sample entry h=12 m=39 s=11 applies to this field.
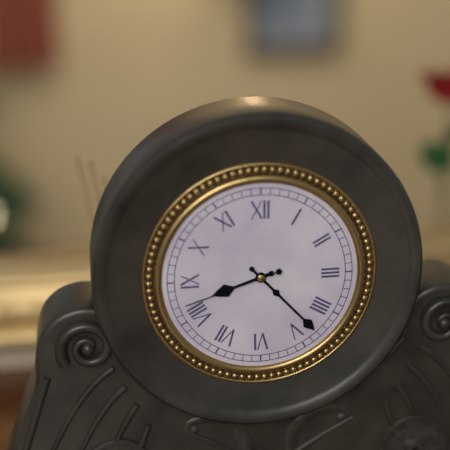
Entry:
h=8 m=23 s=42
